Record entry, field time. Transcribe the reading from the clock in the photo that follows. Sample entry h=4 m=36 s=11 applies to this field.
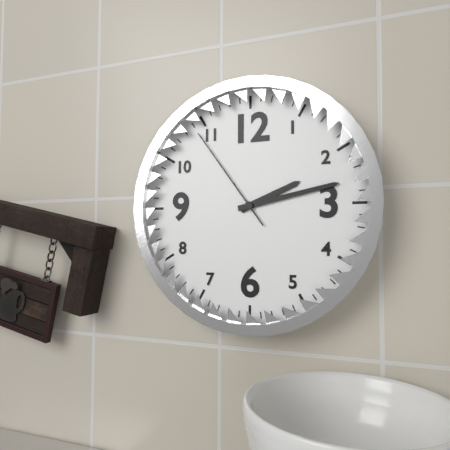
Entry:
h=2 m=13 s=54
